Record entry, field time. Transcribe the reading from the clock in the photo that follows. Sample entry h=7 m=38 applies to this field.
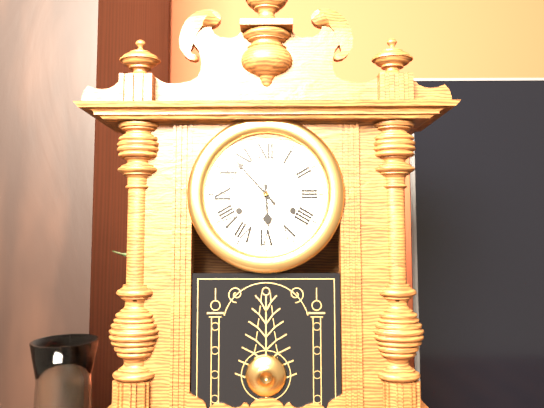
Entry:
h=5 m=53
